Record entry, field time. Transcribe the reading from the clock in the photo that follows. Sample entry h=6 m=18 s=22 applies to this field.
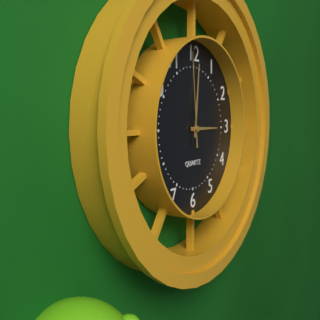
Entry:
h=3 m=1 s=59
